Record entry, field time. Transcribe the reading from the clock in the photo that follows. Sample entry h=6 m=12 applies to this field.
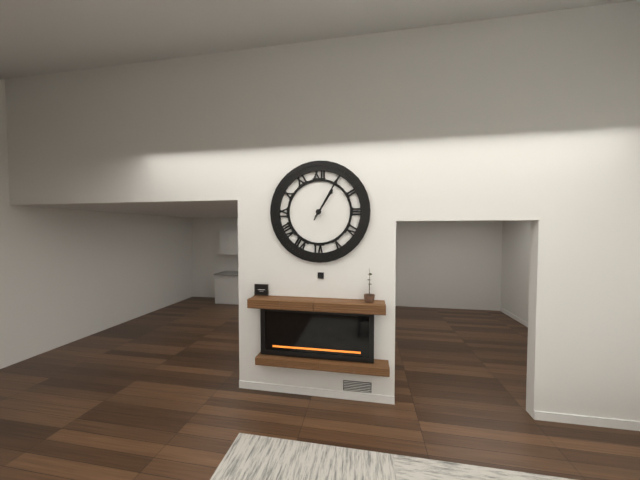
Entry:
h=1 m=5
